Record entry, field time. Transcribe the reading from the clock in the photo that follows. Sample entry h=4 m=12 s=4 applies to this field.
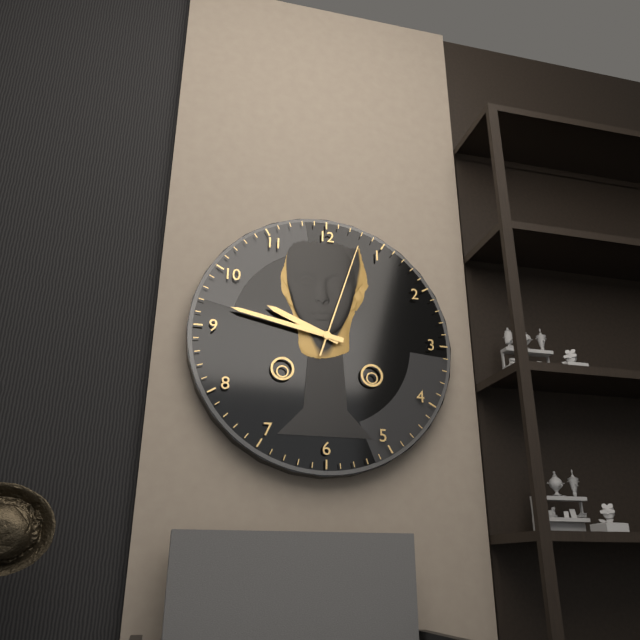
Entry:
h=9 m=47 s=3
